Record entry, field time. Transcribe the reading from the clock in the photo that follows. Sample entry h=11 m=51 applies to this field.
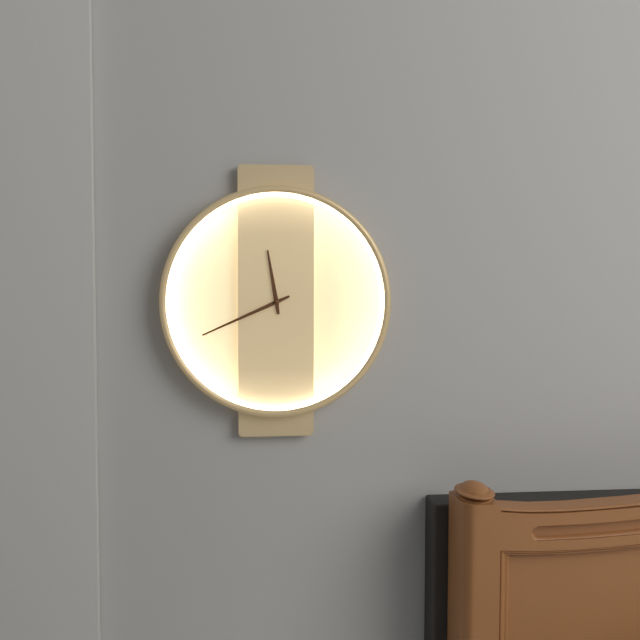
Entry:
h=11 m=41
